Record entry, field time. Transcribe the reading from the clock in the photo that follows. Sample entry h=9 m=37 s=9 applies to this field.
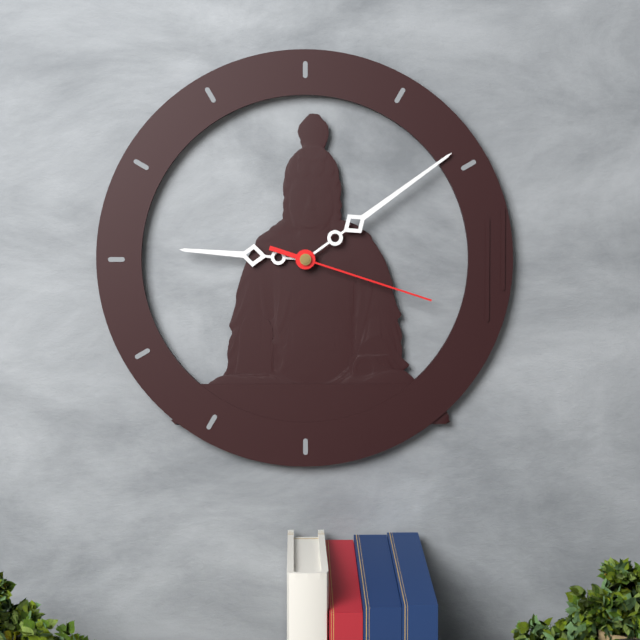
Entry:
h=9 m=9 s=18
